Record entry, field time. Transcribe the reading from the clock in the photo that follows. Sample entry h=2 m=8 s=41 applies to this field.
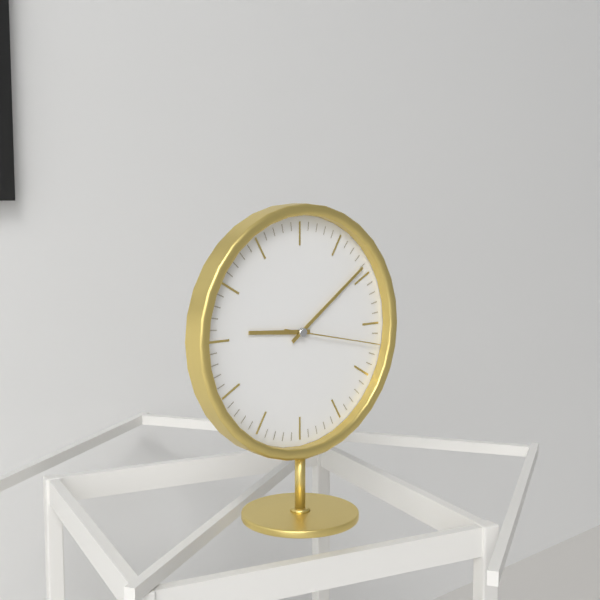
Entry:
h=9 m=9 s=17
